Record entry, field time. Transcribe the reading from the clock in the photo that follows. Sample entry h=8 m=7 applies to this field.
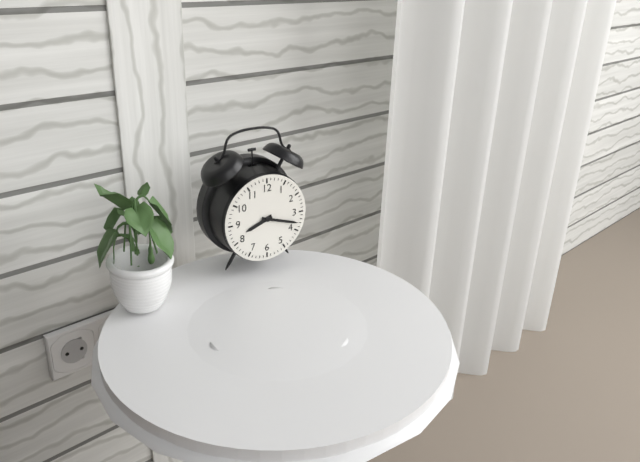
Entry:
h=8 m=18
